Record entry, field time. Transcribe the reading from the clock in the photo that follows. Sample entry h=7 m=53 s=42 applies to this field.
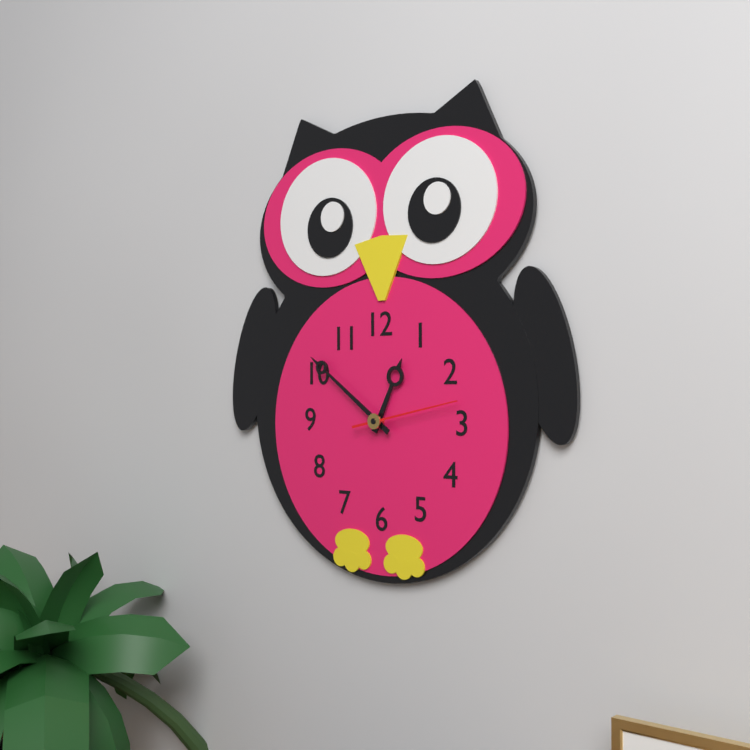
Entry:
h=12 m=51 s=13
